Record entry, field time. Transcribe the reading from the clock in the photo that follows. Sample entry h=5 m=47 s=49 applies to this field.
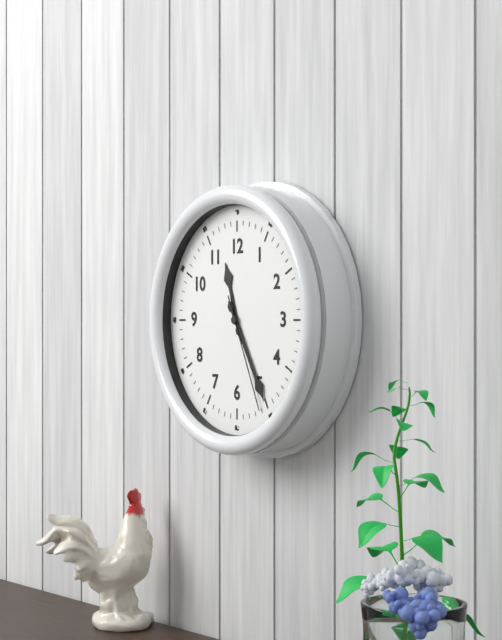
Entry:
h=11 m=25 s=26
